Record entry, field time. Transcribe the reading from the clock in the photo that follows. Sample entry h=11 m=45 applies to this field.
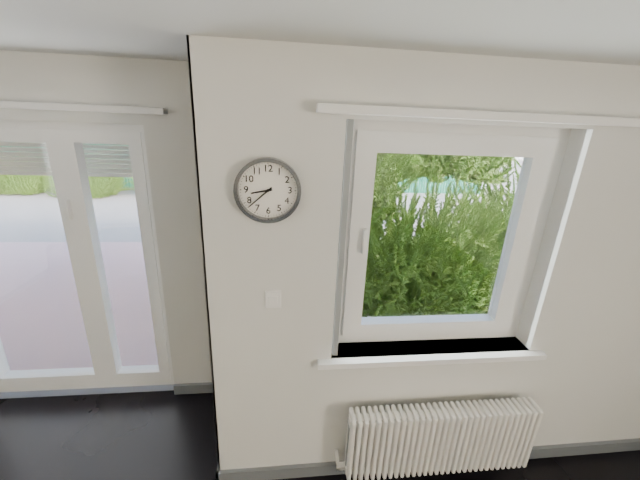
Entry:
h=8 m=38
